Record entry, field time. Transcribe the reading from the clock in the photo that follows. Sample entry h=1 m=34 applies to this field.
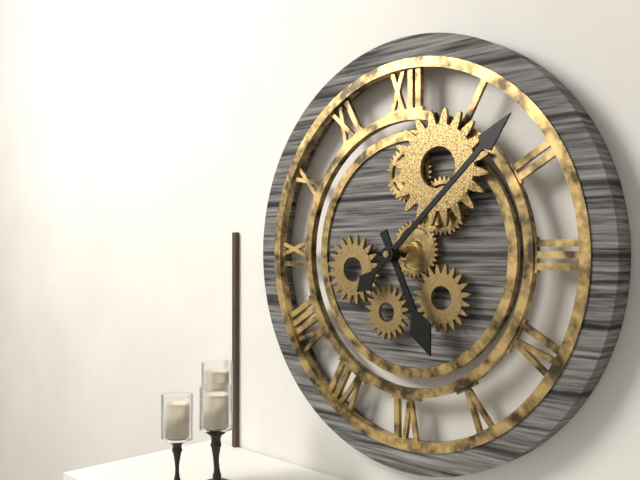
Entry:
h=5 m=8
